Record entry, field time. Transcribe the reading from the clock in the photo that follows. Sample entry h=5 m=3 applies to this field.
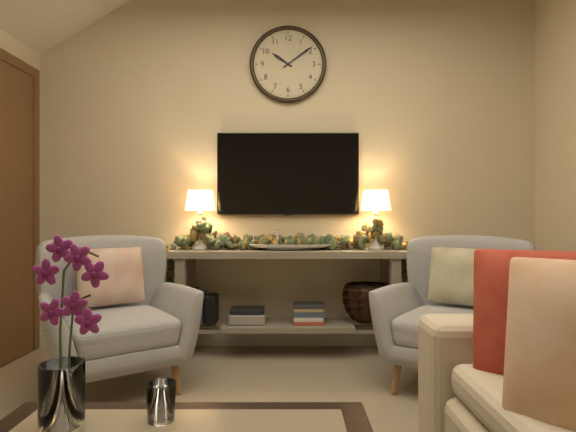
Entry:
h=10 m=9
